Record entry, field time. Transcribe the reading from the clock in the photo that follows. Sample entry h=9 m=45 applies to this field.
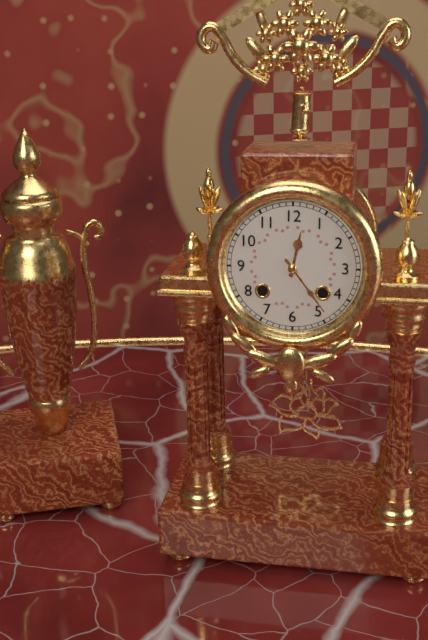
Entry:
h=12 m=24
